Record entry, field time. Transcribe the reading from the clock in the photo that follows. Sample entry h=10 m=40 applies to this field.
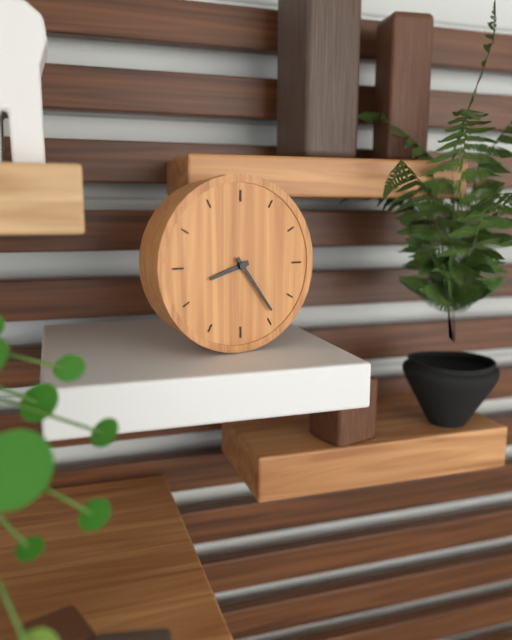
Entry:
h=8 m=24
